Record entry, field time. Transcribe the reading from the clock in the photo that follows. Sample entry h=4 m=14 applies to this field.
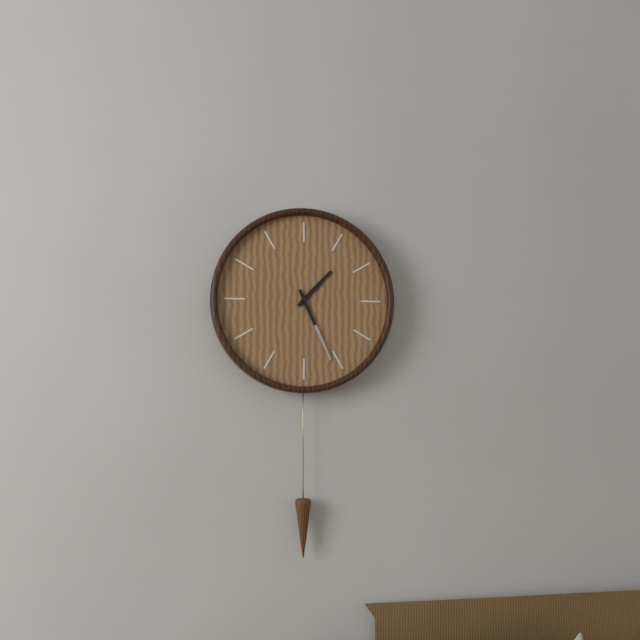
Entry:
h=1 m=26
